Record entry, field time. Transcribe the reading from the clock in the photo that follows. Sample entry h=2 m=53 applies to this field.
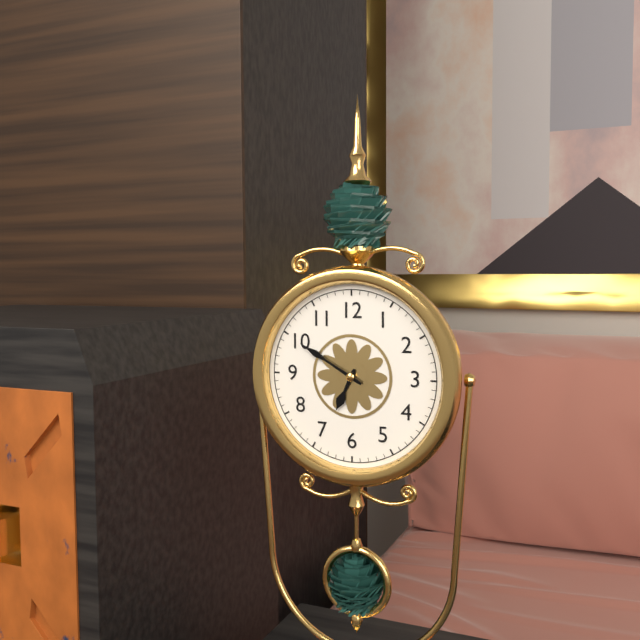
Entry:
h=6 m=50
